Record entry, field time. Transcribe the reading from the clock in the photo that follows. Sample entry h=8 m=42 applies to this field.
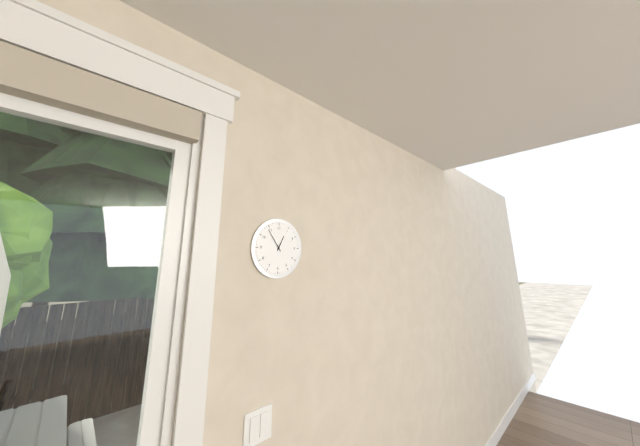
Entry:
h=12 m=54
